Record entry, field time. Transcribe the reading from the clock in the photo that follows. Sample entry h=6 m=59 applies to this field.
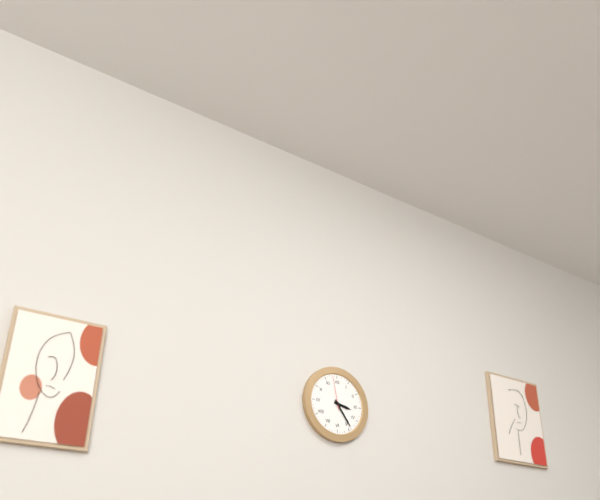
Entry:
h=3 m=24
